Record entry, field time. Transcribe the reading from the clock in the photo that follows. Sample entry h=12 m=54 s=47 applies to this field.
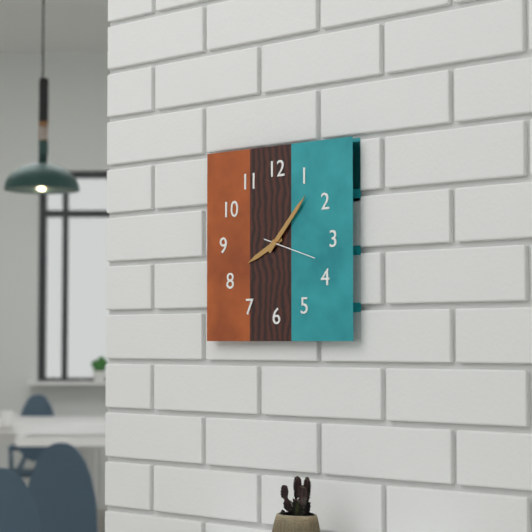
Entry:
h=8 m=7 s=18
